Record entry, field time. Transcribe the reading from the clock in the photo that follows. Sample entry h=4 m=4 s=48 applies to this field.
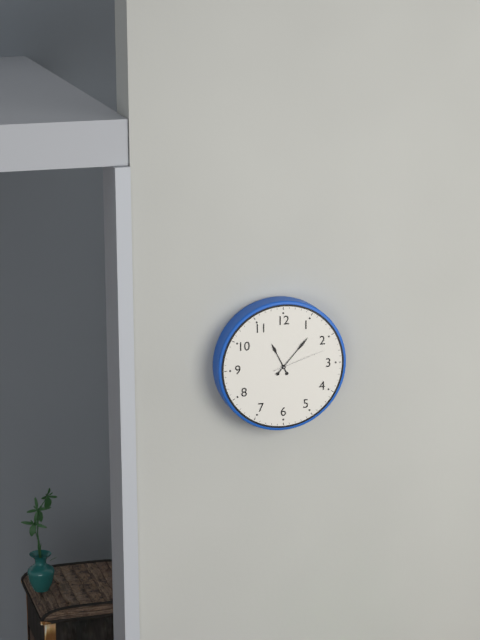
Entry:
h=11 m=7 s=12
